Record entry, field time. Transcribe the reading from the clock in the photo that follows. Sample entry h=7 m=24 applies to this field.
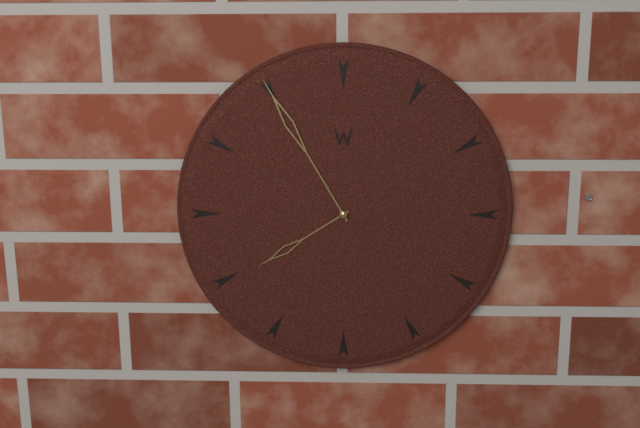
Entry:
h=7 m=55
